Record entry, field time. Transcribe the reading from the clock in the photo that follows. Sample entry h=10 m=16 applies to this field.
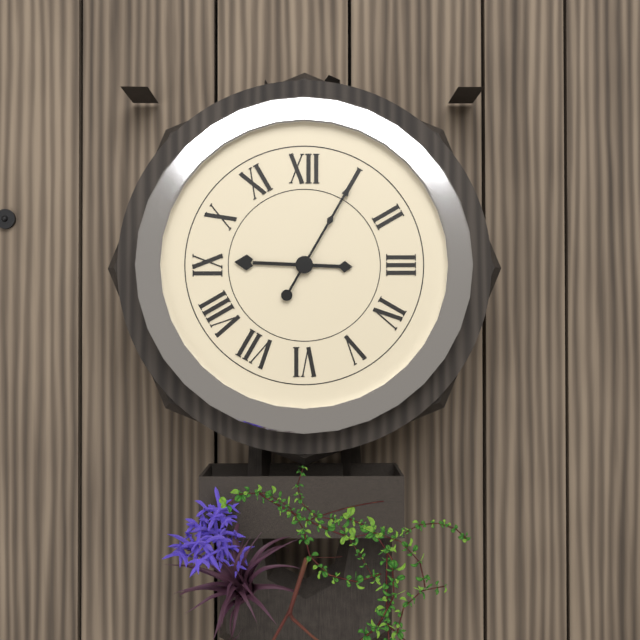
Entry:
h=9 m=5
